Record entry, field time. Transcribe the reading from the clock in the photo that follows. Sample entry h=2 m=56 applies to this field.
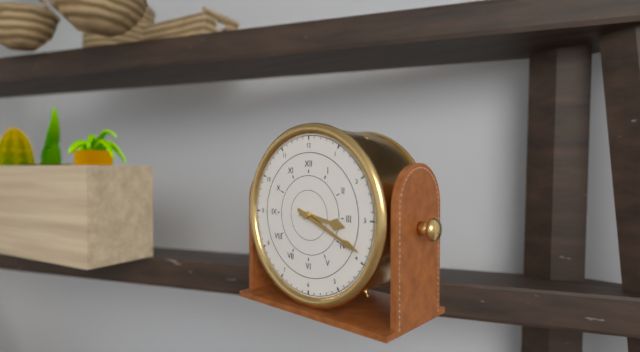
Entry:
h=3 m=19
